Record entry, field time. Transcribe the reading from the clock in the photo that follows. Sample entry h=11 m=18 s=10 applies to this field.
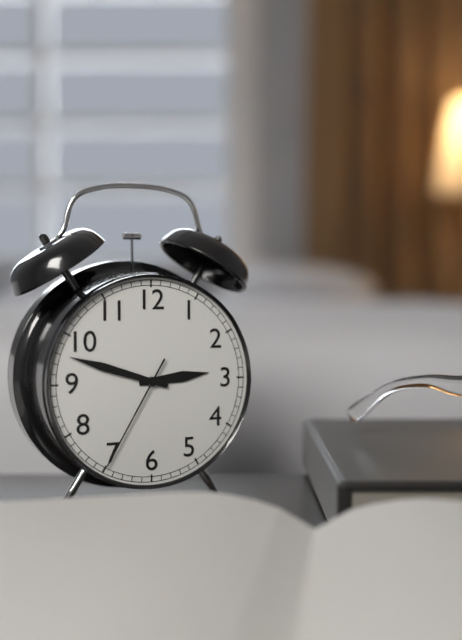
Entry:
h=2 m=48 s=35
